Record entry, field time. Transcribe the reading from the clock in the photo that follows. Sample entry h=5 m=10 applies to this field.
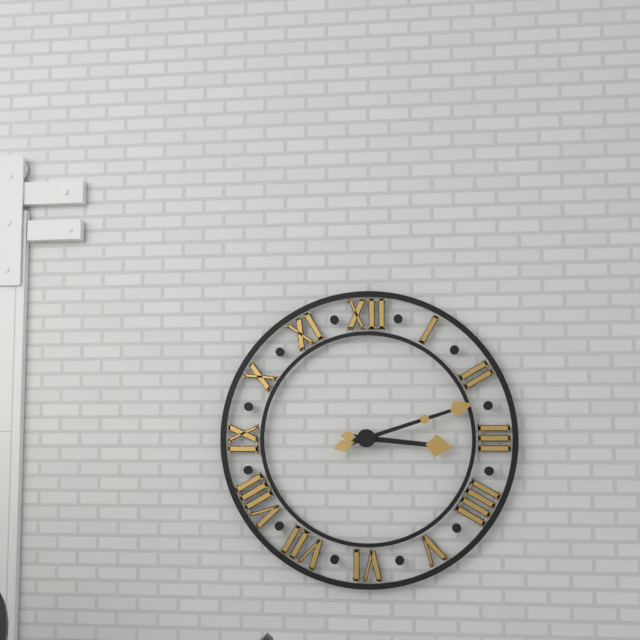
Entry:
h=3 m=12
